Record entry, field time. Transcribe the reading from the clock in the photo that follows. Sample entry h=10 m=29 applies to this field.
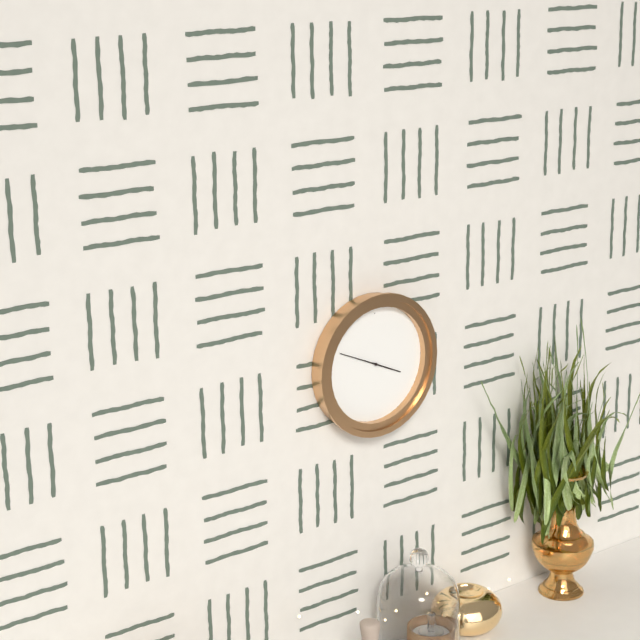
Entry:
h=3 m=49
